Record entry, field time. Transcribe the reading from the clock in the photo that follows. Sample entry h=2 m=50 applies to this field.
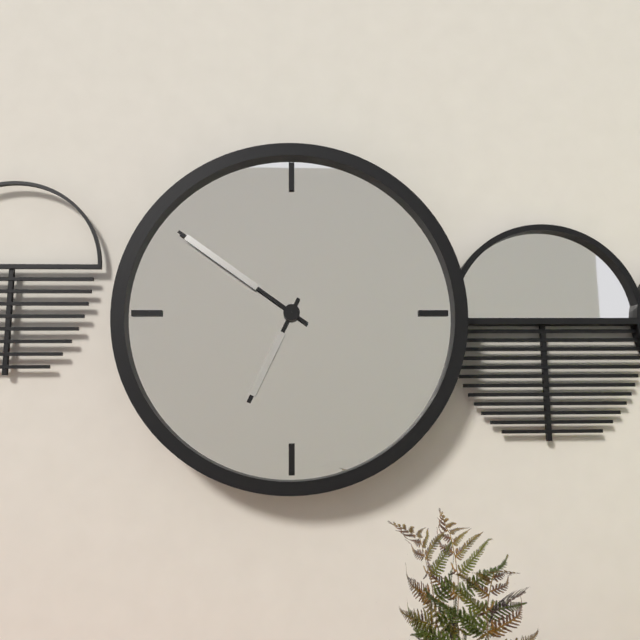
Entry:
h=6 m=51
